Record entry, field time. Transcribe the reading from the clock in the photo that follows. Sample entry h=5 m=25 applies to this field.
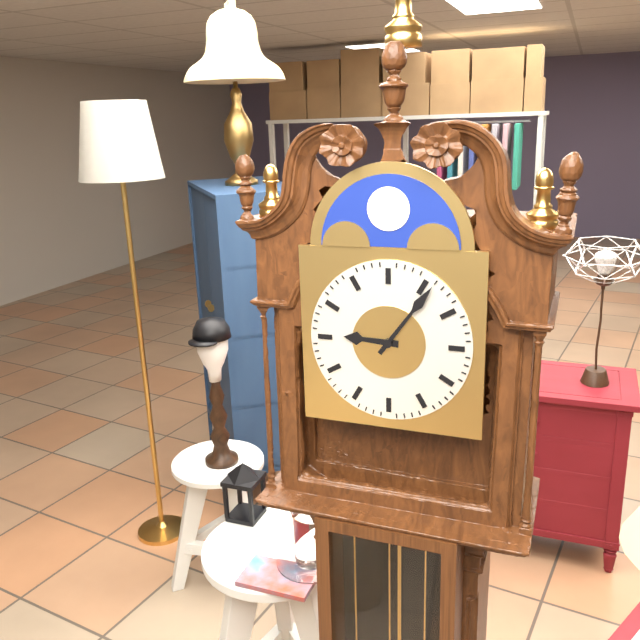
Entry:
h=9 m=6
